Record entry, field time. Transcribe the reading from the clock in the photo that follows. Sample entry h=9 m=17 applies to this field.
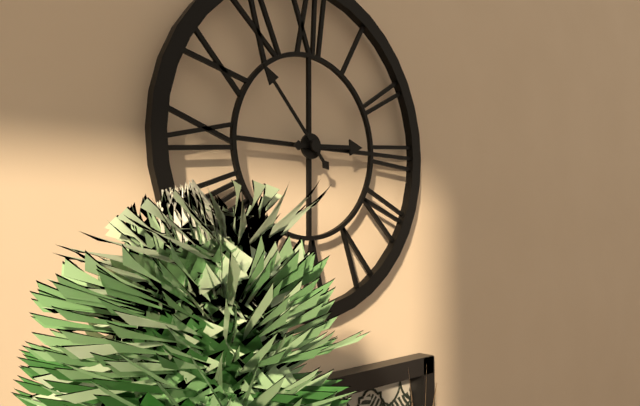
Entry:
h=2 m=53
